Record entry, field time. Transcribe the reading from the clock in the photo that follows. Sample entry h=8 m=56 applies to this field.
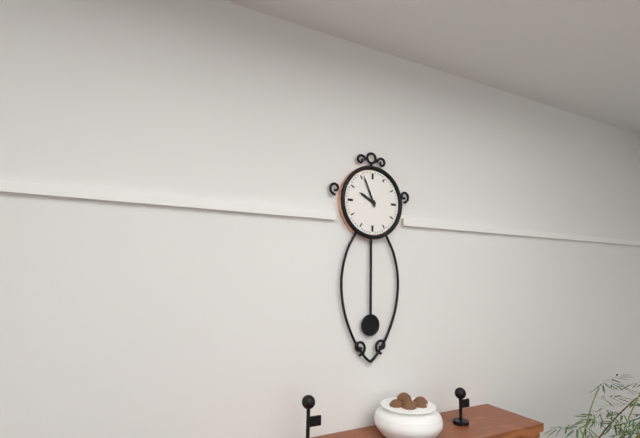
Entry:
h=9 m=56
